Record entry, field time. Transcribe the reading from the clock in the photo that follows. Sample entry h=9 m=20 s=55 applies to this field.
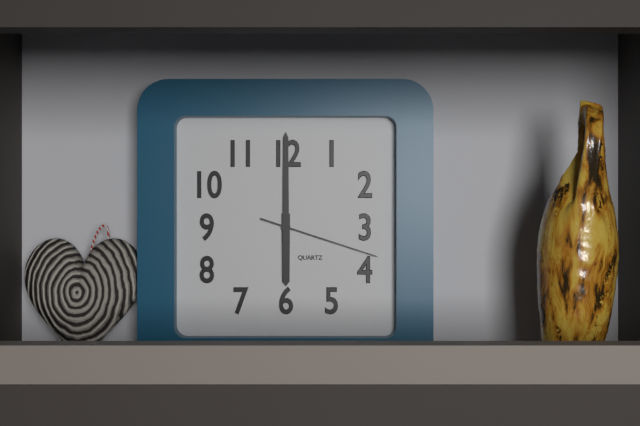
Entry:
h=6 m=0 s=18
